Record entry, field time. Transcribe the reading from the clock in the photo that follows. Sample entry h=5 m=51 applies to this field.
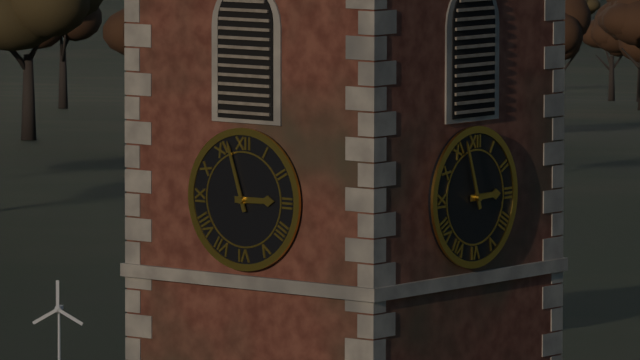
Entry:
h=2 m=57
